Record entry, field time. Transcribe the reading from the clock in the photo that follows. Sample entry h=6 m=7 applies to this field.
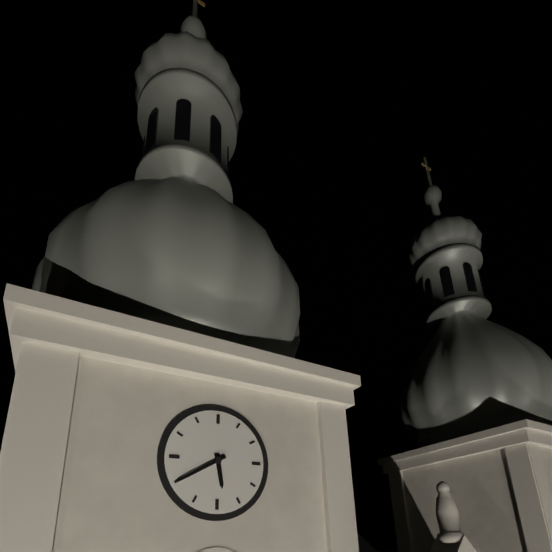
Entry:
h=5 m=40
